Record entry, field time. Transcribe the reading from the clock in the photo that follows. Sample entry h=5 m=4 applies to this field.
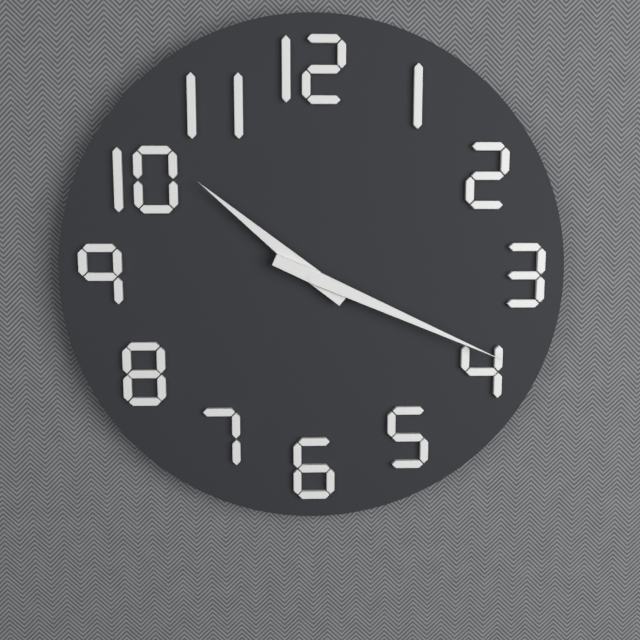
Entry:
h=10 m=19
